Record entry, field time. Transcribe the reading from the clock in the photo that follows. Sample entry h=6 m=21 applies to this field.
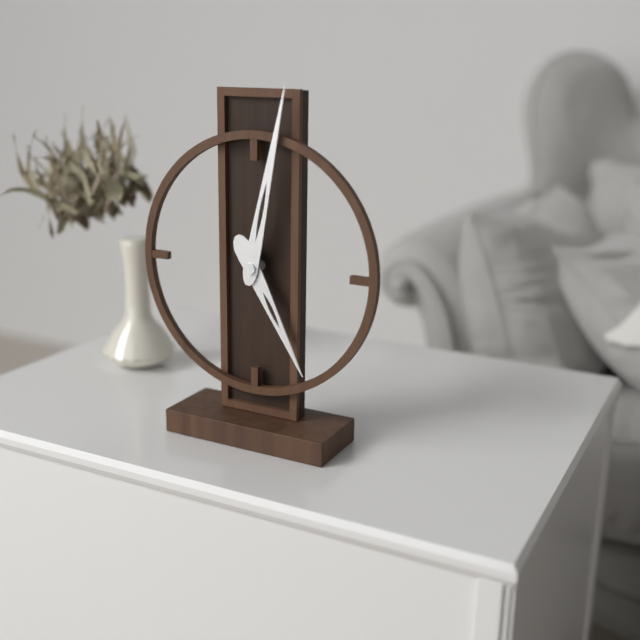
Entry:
h=5 m=2
